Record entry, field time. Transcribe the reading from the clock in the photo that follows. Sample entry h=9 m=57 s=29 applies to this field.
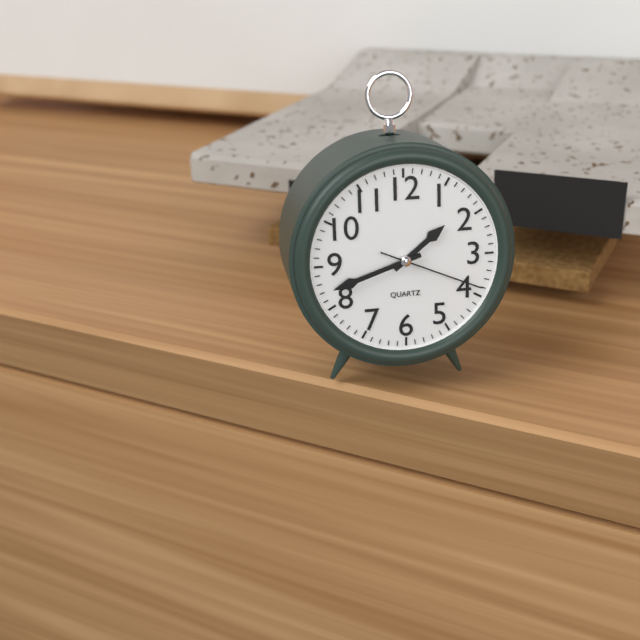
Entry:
h=1 m=42 s=19
